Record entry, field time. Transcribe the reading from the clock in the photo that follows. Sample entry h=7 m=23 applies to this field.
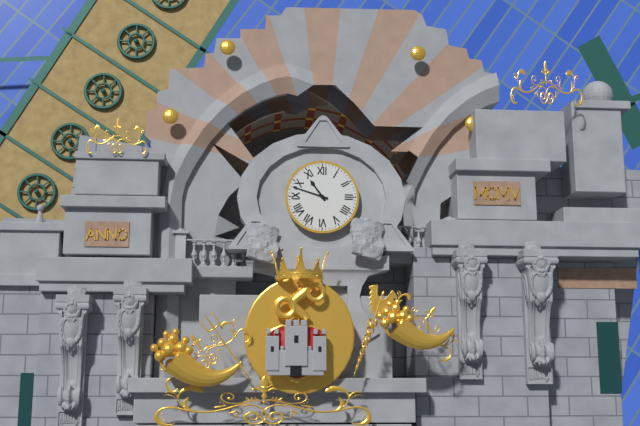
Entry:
h=10 m=48
